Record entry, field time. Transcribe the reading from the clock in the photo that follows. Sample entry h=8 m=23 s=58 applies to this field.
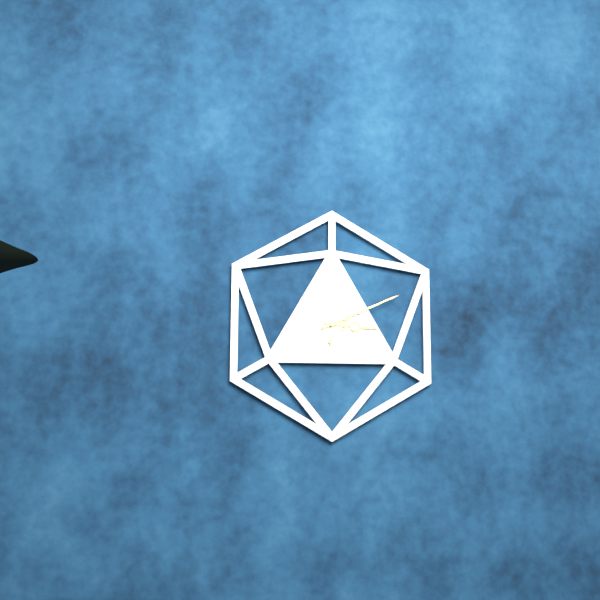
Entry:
h=3 m=11 s=1
